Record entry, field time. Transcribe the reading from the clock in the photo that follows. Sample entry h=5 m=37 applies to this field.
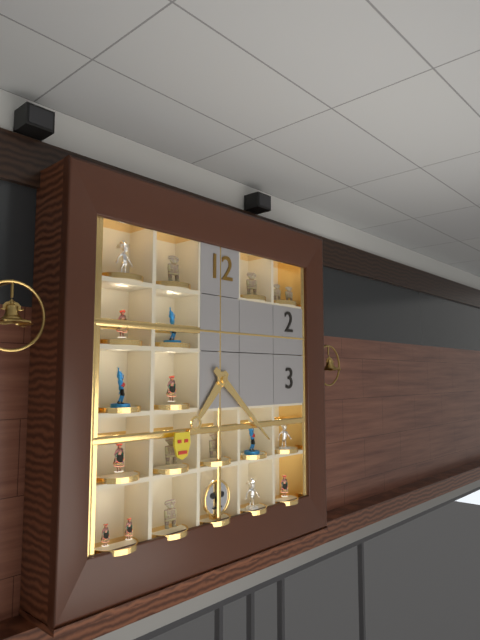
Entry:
h=7 m=22
